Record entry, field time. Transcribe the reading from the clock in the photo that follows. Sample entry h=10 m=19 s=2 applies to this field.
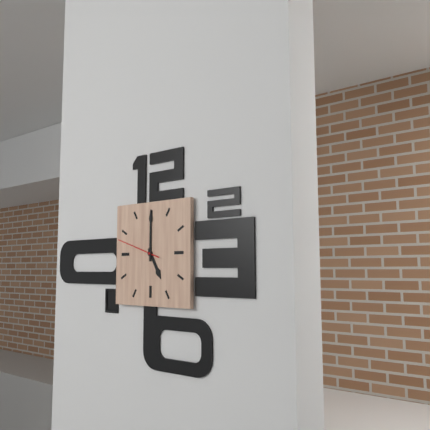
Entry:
h=5 m=0 s=48
